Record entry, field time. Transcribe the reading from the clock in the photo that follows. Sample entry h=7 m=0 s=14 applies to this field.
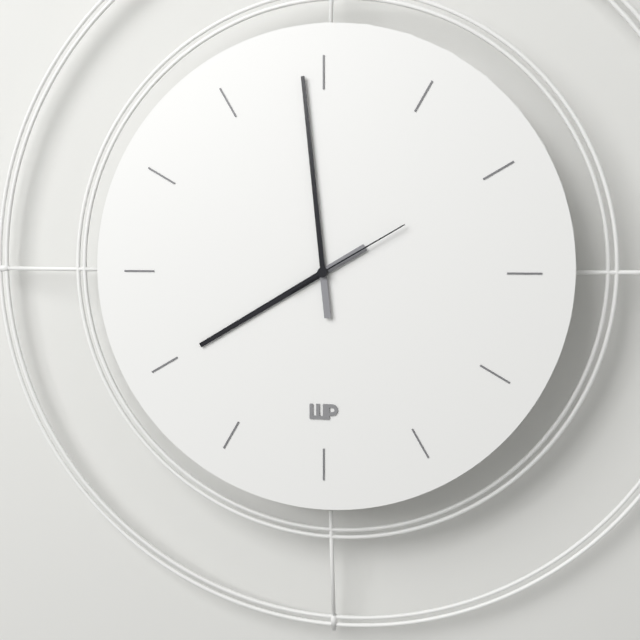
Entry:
h=7 m=59 s=10
